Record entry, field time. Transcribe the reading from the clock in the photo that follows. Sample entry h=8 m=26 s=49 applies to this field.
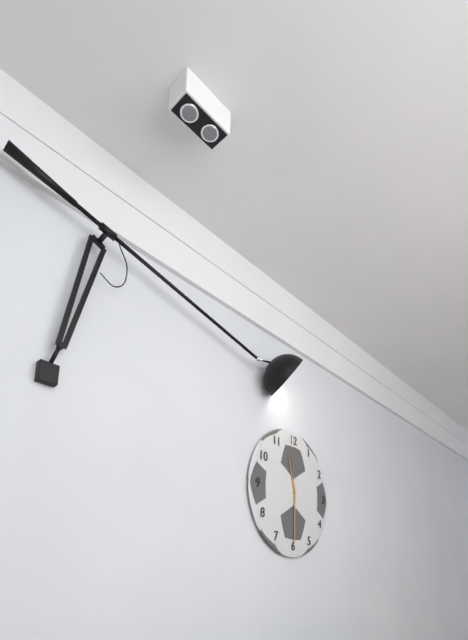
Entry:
h=11 m=30 s=59
